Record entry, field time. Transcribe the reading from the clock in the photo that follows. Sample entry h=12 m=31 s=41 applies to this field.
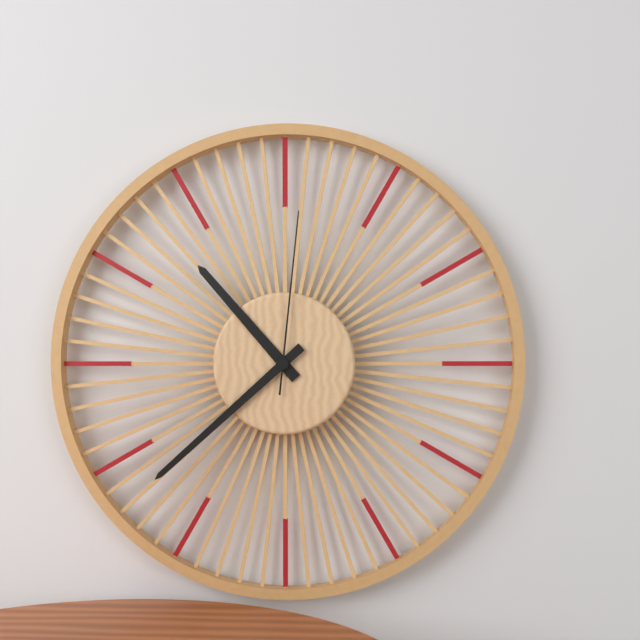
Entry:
h=10 m=38 s=1
